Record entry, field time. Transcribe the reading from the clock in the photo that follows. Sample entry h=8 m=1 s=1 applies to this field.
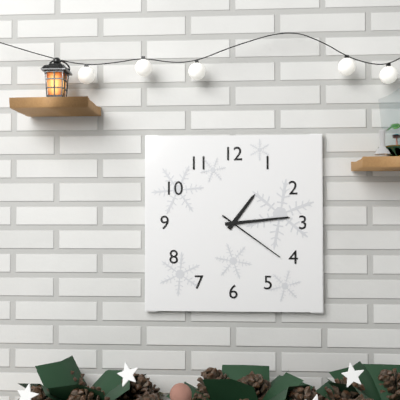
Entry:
h=1 m=14 s=21
